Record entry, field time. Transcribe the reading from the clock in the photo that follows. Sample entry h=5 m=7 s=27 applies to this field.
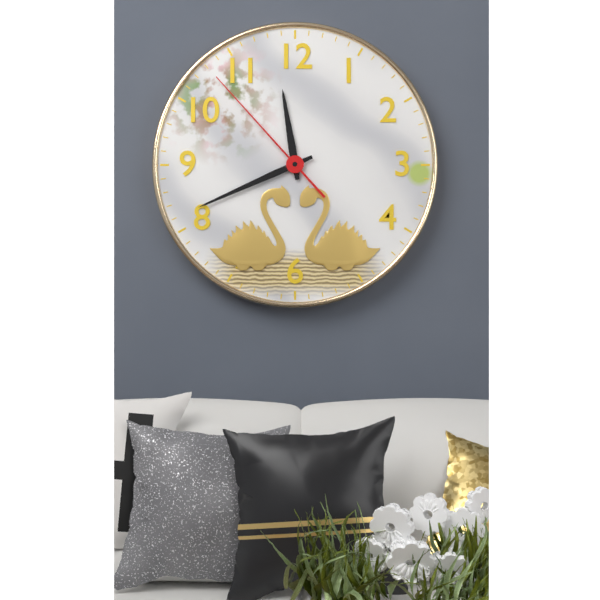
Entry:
h=11 m=41 s=53
